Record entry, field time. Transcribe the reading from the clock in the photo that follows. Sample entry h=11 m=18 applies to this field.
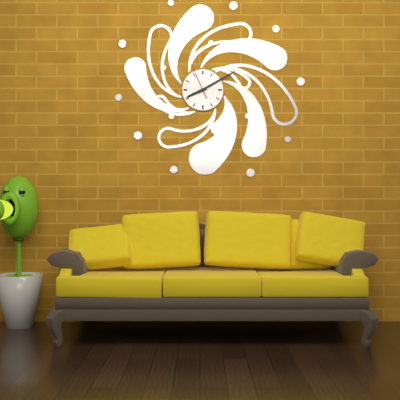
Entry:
h=8 m=10
